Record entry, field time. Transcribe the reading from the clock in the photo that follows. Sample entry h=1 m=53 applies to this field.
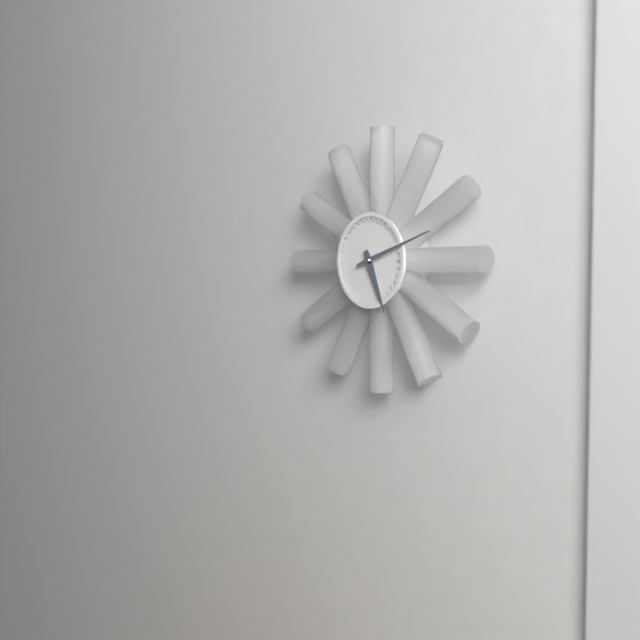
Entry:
h=5 m=12
